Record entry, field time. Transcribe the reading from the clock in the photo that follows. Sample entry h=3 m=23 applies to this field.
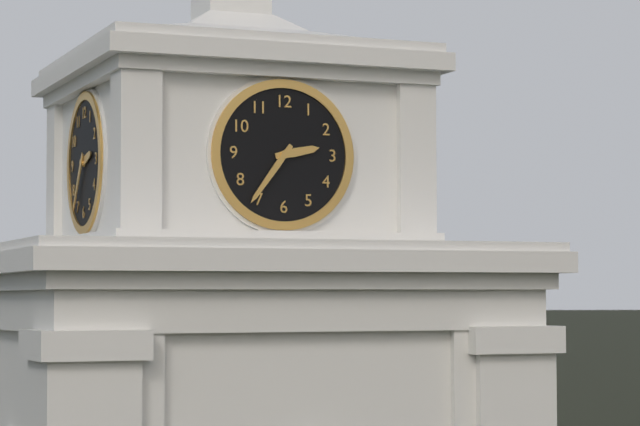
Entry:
h=2 m=36
